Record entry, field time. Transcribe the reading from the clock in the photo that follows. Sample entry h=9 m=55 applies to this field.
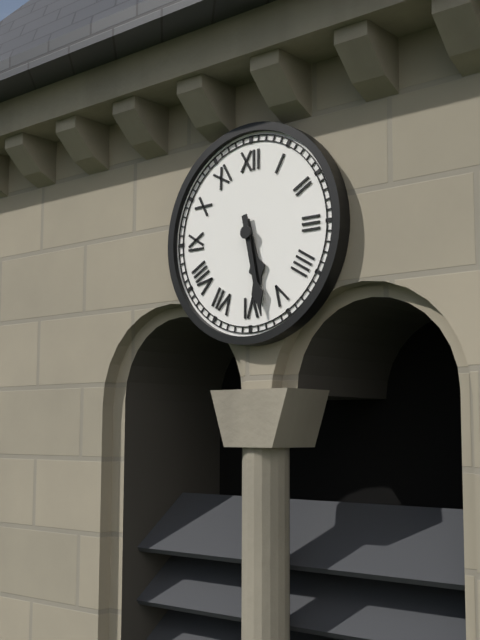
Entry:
h=5 m=28
